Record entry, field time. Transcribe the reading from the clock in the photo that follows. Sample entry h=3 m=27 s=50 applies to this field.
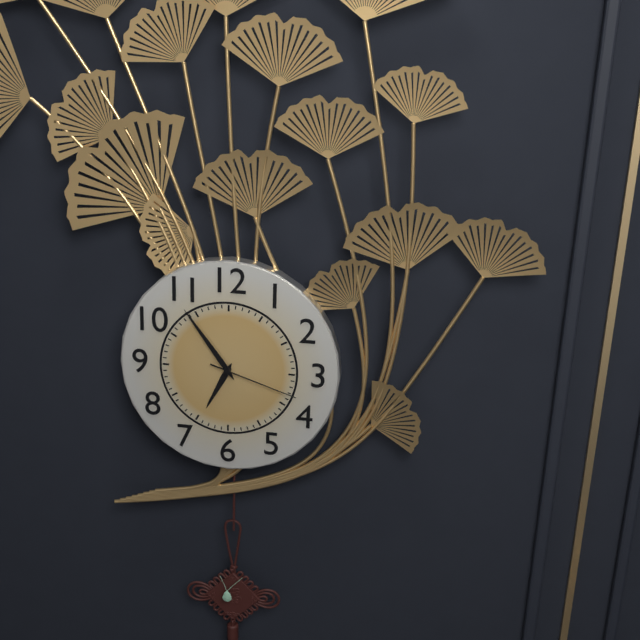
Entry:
h=6 m=54 s=18
